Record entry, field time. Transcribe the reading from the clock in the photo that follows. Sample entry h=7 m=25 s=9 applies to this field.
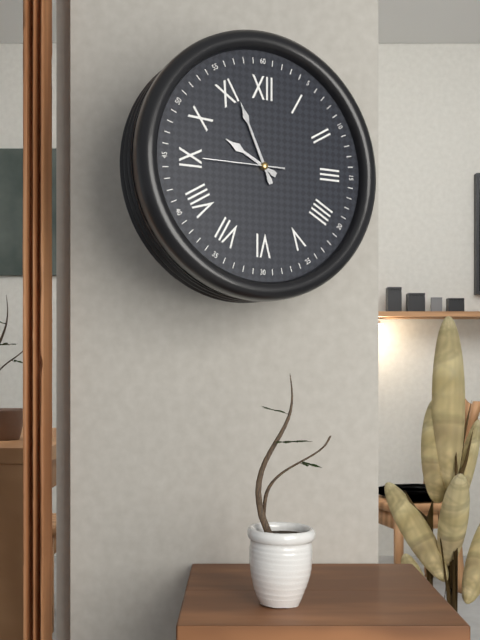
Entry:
h=9 m=56 s=45
